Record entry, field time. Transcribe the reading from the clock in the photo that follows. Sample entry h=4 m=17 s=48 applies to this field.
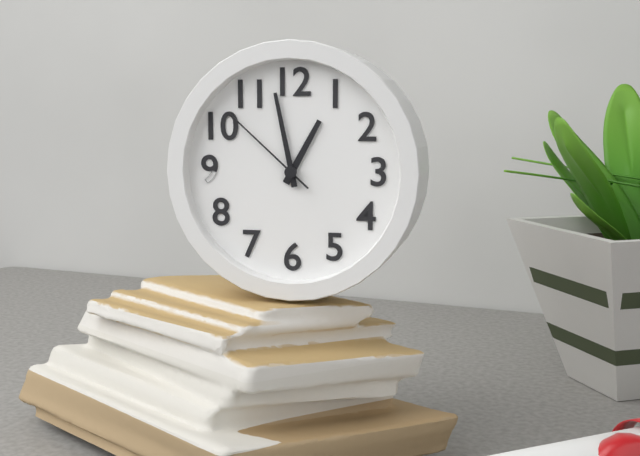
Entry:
h=12 m=58 s=52
